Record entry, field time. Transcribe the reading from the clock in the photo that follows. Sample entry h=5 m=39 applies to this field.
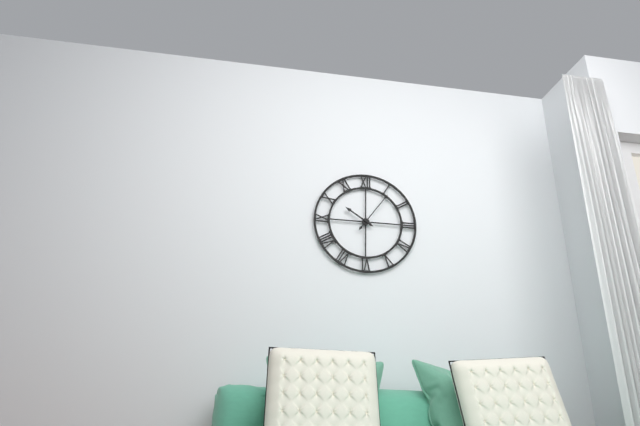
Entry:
h=10 m=6
